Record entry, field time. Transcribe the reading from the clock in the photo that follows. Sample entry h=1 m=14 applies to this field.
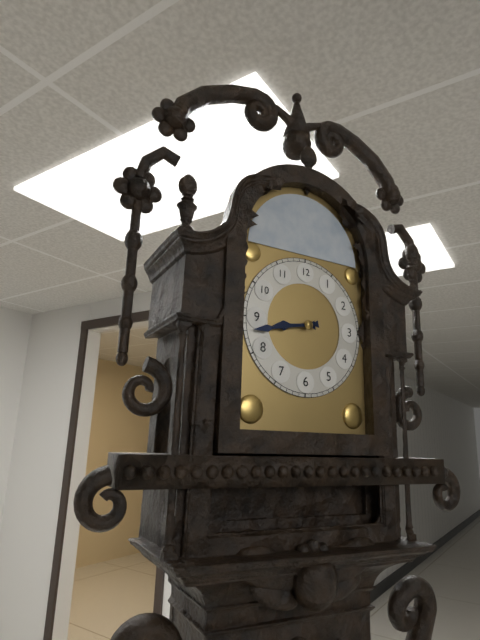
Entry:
h=8 m=43
